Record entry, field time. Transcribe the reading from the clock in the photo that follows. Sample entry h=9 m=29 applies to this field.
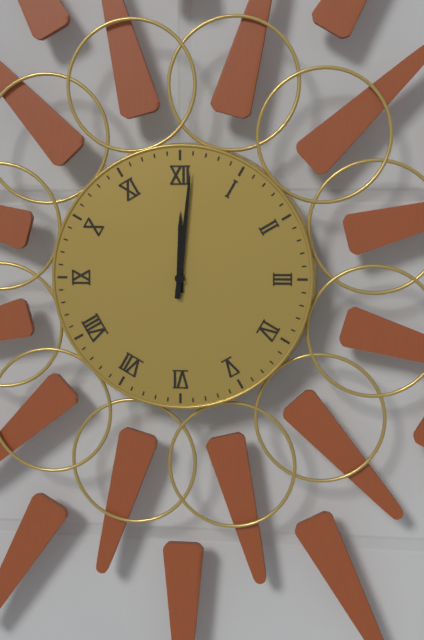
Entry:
h=12 m=1
